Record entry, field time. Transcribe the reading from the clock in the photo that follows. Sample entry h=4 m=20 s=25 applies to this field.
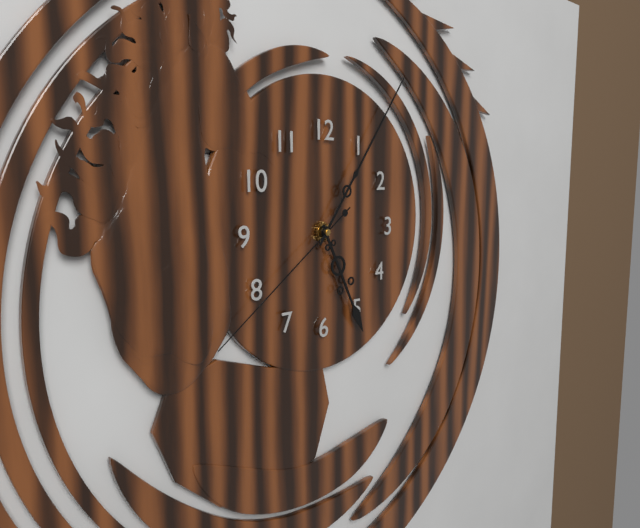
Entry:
h=5 m=6 s=39
